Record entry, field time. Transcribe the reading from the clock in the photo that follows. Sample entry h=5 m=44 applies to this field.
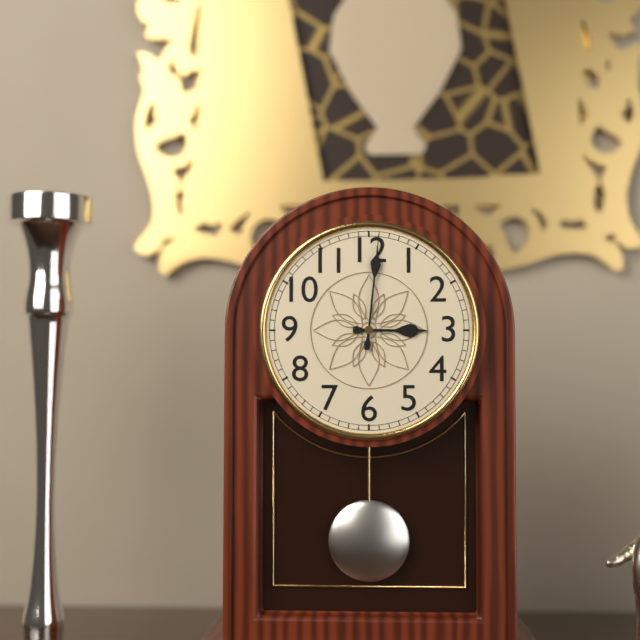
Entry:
h=3 m=1
